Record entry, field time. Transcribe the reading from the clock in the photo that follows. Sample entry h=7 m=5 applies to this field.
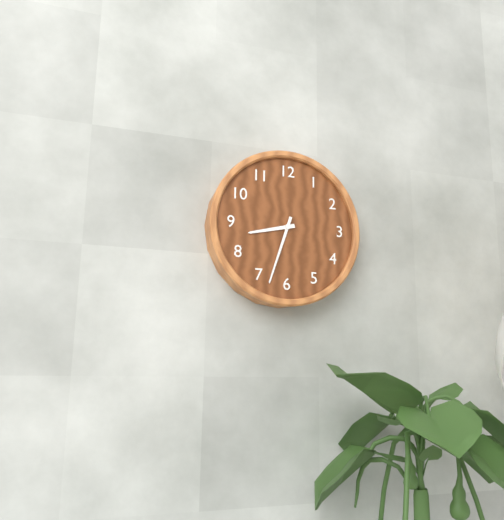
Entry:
h=8 m=33
